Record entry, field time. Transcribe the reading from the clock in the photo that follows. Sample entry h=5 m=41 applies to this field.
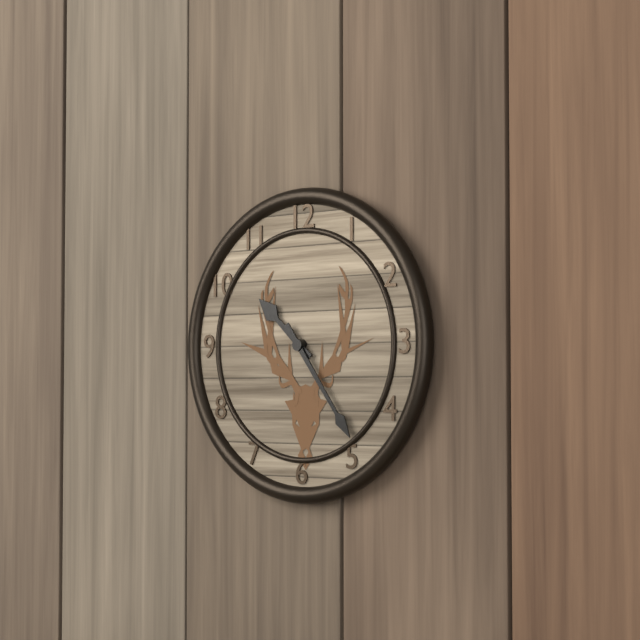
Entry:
h=10 m=24
